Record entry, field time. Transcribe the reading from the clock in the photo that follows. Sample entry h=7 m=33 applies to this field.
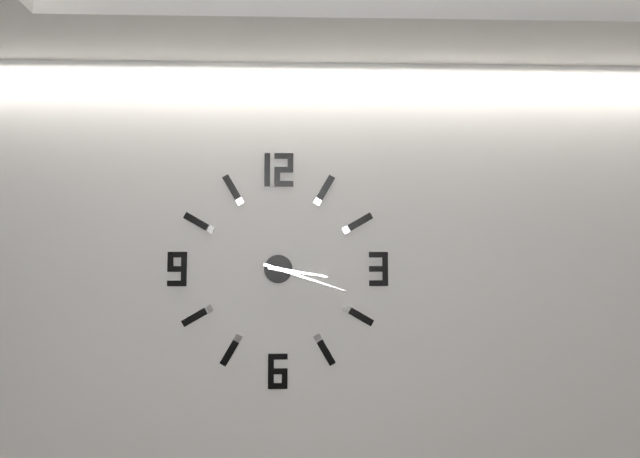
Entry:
h=3 m=18
